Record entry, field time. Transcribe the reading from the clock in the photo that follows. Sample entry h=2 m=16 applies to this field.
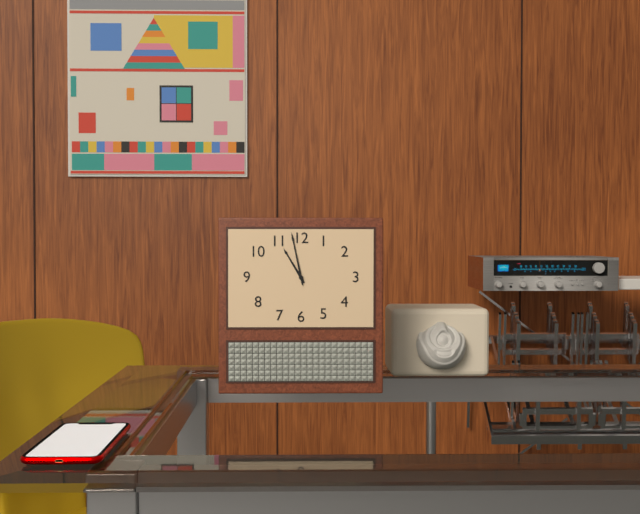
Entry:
h=10 m=58
